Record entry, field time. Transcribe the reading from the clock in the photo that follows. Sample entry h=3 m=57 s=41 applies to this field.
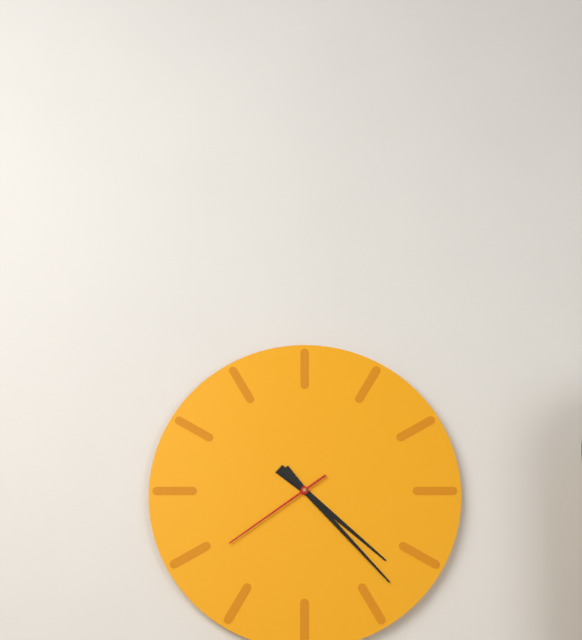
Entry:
h=4 m=23 s=39
